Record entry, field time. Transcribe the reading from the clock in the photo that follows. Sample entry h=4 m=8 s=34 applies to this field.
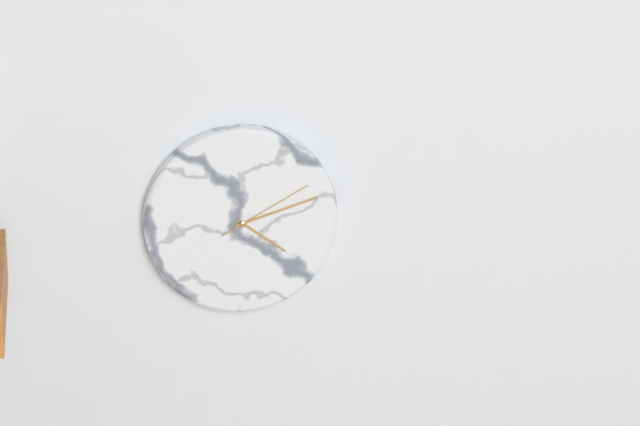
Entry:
h=4 m=12 s=10
